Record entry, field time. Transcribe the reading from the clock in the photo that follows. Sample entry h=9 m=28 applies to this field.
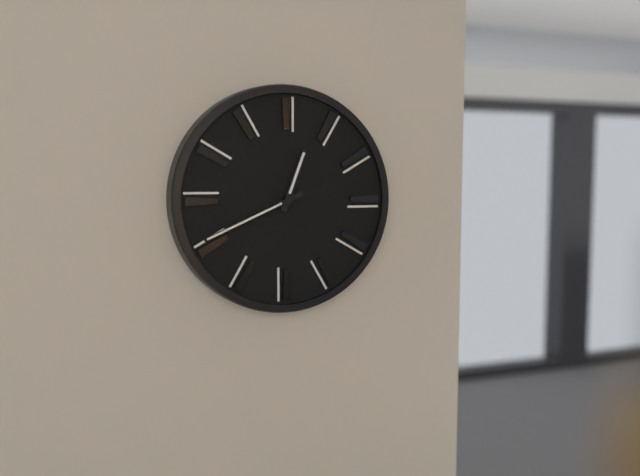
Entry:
h=12 m=41
